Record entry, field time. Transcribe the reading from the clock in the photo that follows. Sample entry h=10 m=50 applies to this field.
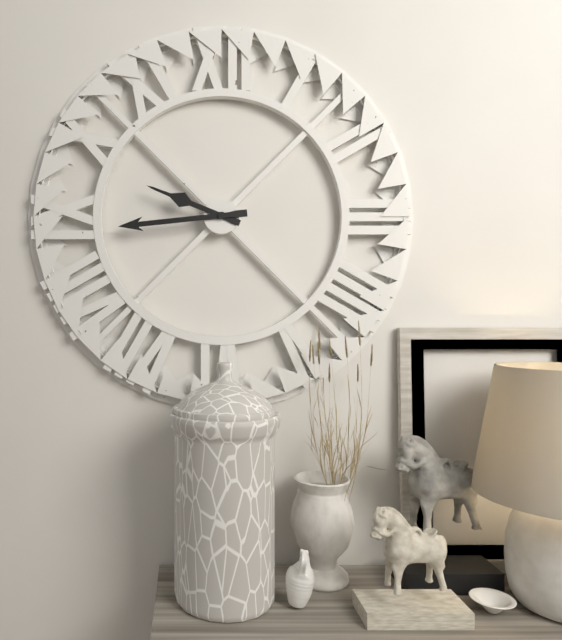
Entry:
h=9 m=44
